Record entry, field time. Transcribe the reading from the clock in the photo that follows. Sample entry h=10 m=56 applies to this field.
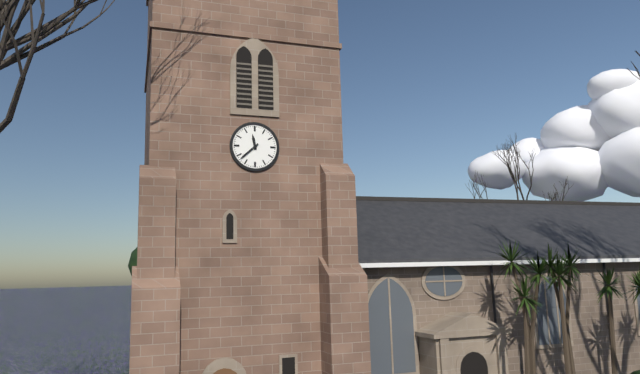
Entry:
h=11 m=38
